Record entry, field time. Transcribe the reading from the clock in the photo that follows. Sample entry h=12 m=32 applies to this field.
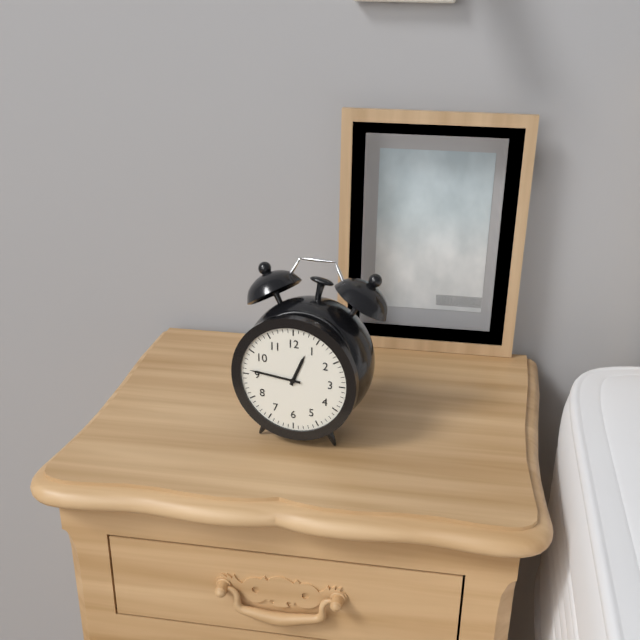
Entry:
h=12 m=46
